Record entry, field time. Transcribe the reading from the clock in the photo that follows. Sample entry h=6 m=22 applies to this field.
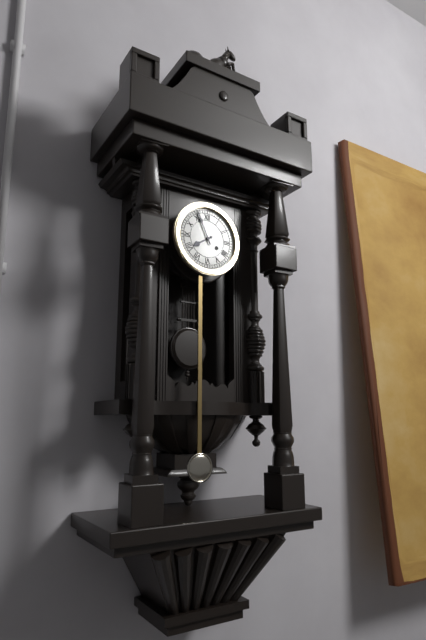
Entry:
h=7 m=56
